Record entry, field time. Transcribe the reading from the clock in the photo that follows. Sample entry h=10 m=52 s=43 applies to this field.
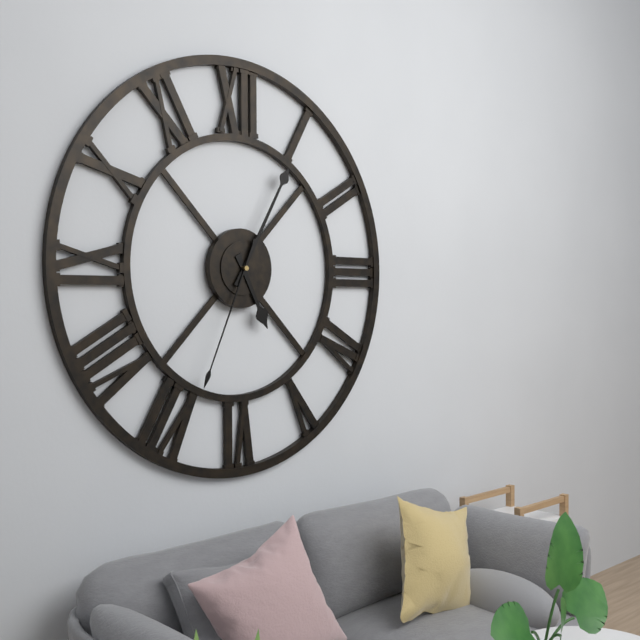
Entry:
h=5 m=5 s=34
